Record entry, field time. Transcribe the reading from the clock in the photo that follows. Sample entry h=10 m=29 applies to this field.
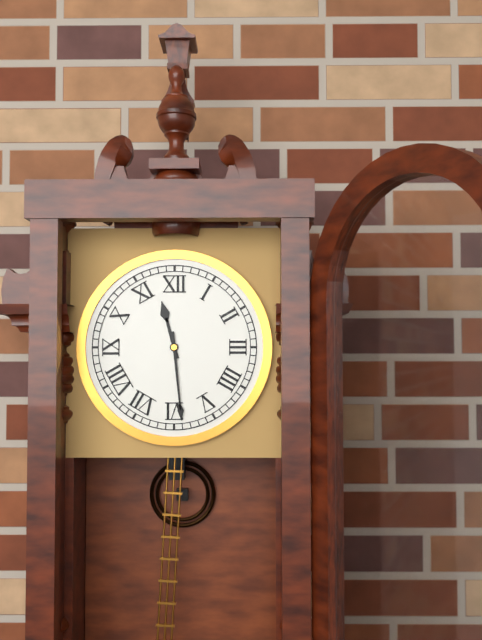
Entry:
h=11 m=29
